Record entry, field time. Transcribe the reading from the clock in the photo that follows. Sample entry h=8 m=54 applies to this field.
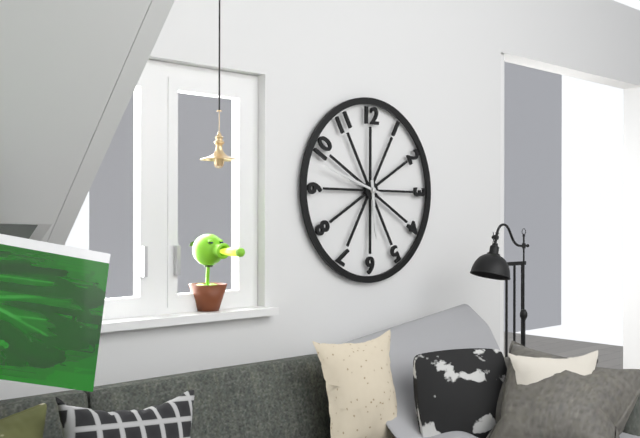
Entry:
h=5 m=48
